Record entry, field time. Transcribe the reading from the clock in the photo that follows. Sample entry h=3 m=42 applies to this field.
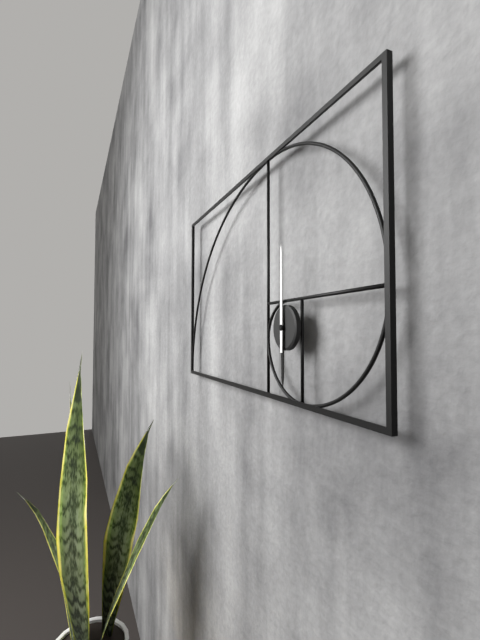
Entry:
h=6 m=0
